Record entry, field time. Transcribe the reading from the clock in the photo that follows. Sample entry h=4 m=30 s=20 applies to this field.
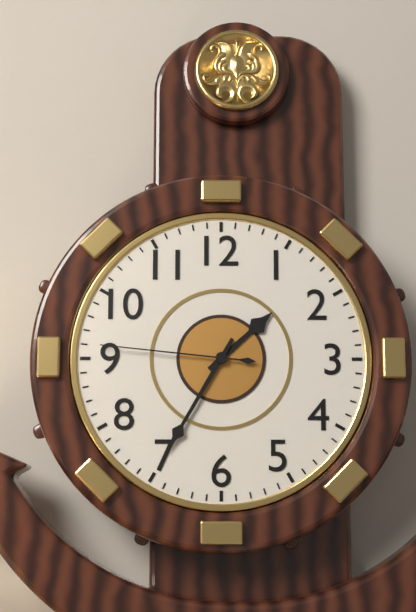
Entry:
h=1 m=35 s=46
